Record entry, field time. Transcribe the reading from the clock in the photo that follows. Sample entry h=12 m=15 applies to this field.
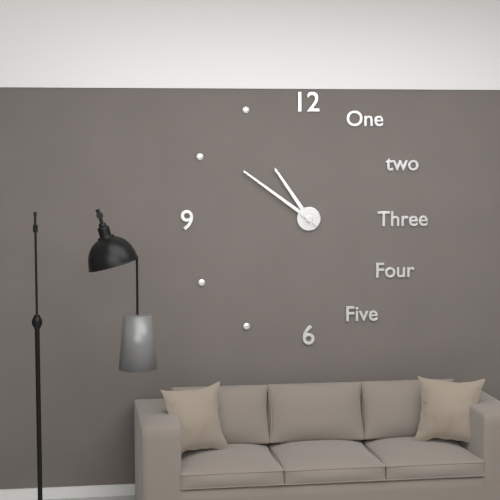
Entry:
h=10 m=51
